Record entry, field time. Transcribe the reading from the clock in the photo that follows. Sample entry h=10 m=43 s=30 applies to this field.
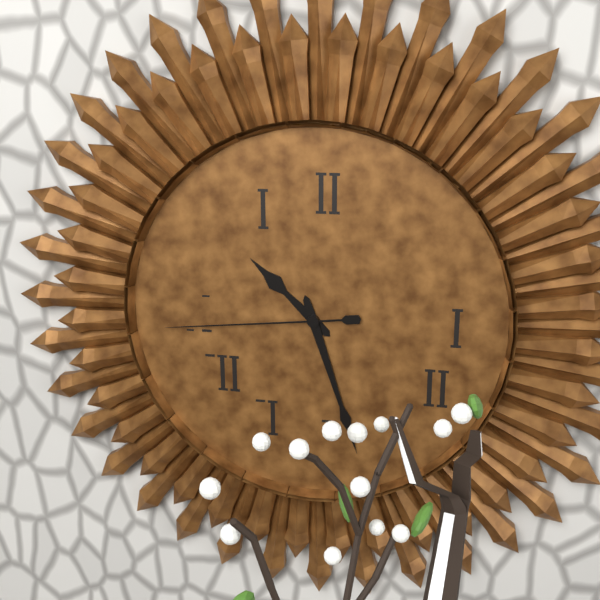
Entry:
h=10 m=27 s=44
